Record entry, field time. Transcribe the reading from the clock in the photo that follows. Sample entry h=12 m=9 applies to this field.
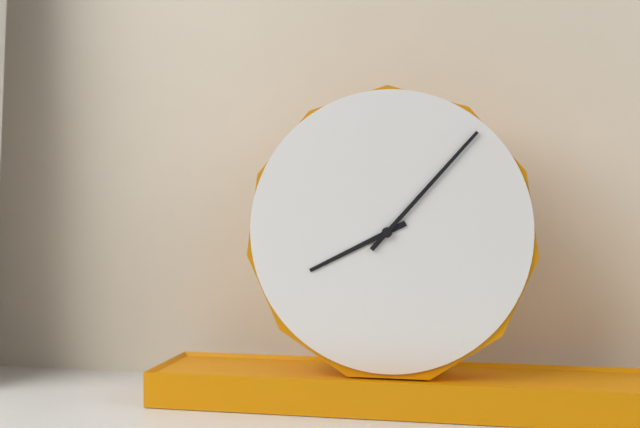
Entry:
h=8 m=7
